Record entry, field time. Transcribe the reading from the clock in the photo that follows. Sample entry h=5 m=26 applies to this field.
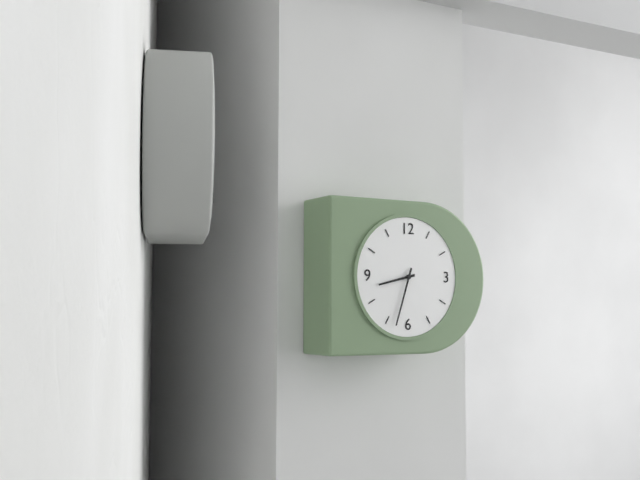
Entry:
h=8 m=33
